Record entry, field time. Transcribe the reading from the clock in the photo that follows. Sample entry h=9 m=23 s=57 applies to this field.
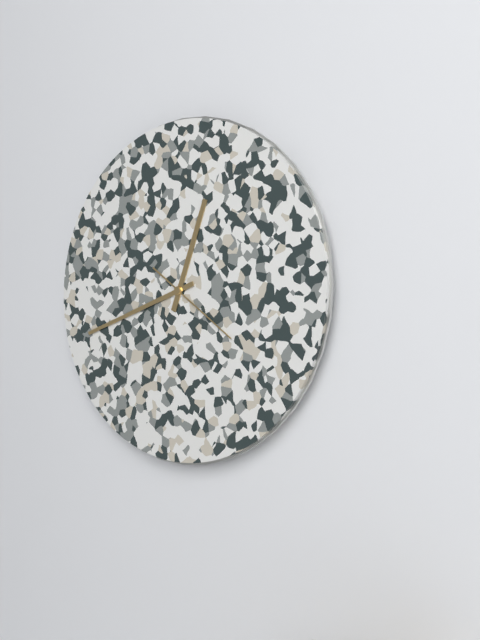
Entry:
h=12 m=42 s=21
